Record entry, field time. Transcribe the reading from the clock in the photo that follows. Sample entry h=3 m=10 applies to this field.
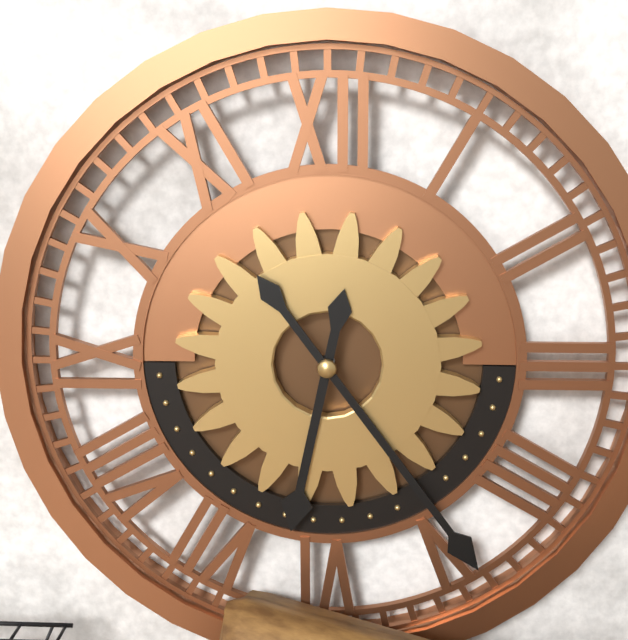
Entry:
h=6 m=24
